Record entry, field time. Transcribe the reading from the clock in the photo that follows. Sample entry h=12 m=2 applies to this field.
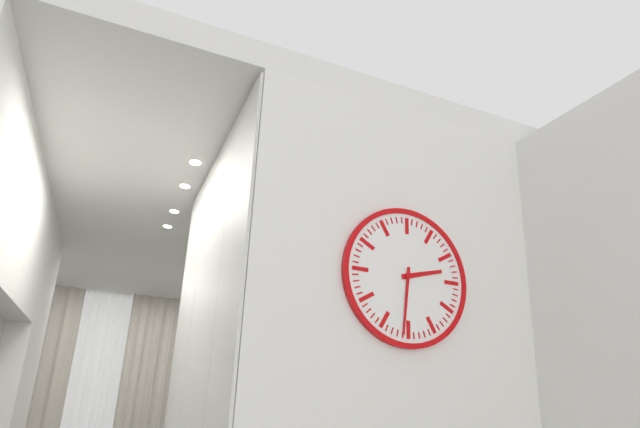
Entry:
h=2 m=31
